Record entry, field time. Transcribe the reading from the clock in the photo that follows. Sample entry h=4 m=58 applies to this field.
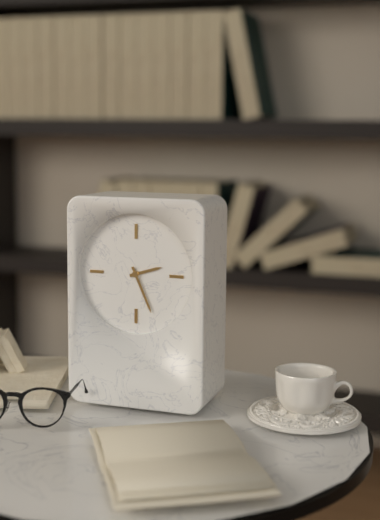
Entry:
h=2 m=26
